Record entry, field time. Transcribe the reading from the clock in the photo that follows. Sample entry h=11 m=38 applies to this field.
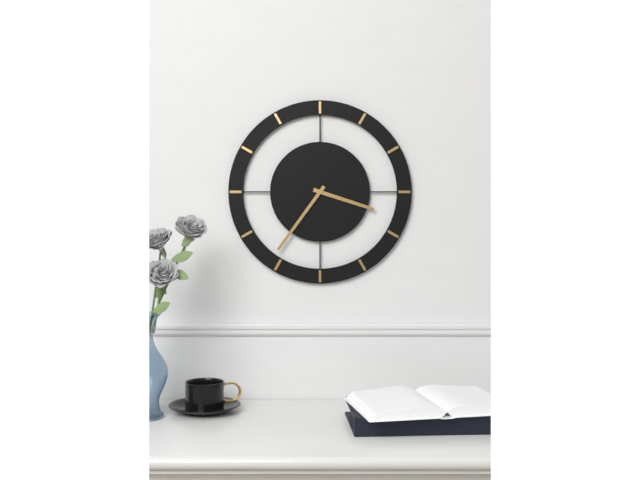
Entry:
h=3 m=36
